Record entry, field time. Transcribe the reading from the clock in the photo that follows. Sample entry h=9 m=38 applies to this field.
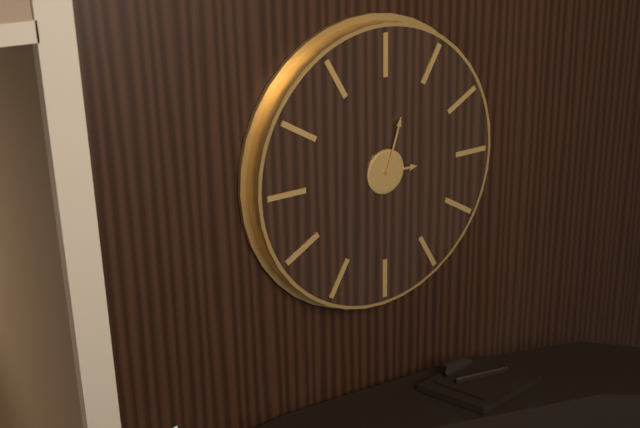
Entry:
h=3 m=3
